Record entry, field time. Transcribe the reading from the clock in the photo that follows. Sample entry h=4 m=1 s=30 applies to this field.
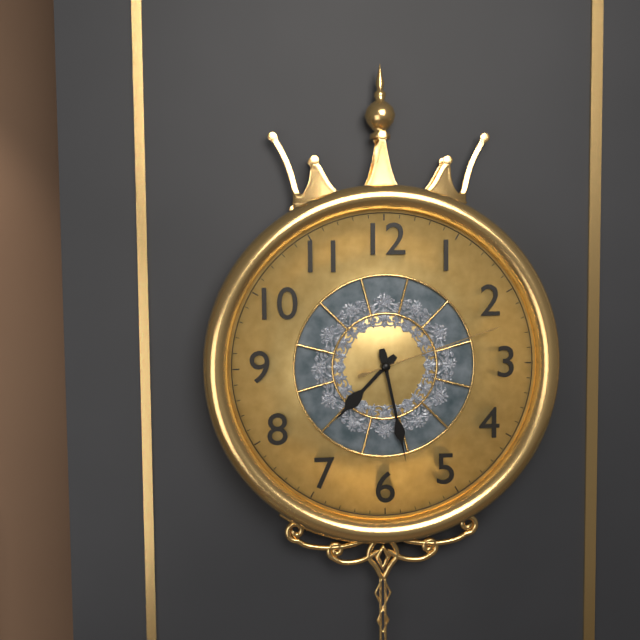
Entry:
h=7 m=28 s=12
